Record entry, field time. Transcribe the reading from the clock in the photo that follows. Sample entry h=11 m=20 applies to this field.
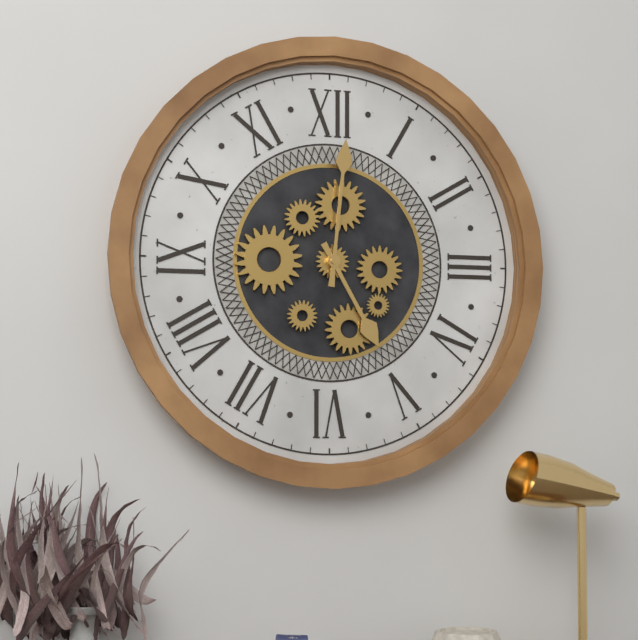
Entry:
h=5 m=1
